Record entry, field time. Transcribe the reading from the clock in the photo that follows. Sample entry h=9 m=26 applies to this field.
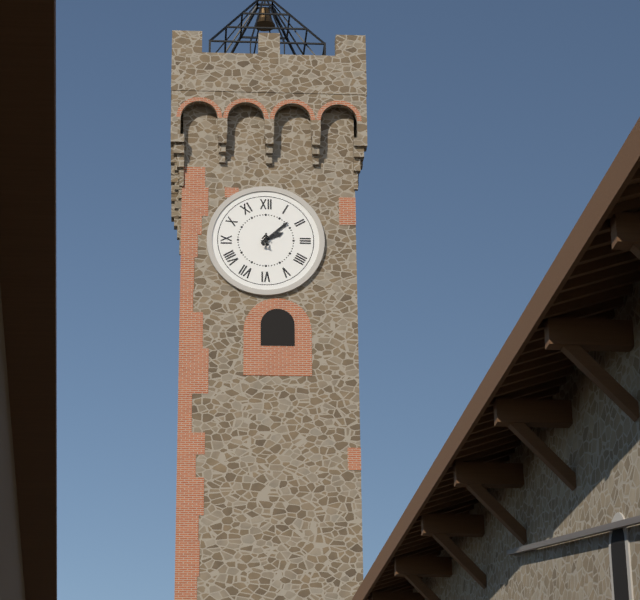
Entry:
h=2 m=8
